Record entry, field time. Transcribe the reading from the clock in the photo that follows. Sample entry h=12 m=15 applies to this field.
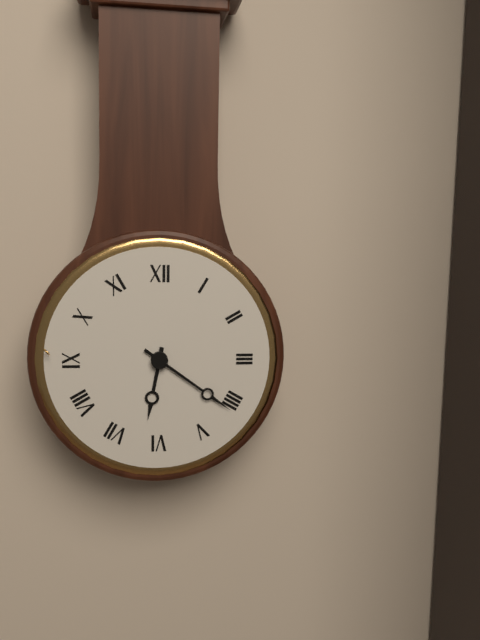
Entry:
h=6 m=21
